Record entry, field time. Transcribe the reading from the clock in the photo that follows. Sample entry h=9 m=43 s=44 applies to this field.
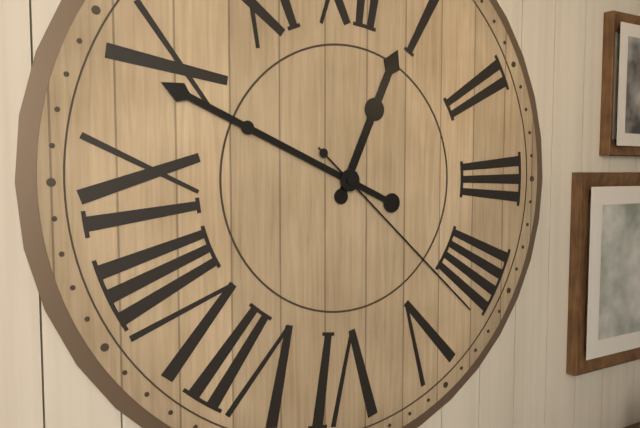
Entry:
h=12 m=49 s=22
